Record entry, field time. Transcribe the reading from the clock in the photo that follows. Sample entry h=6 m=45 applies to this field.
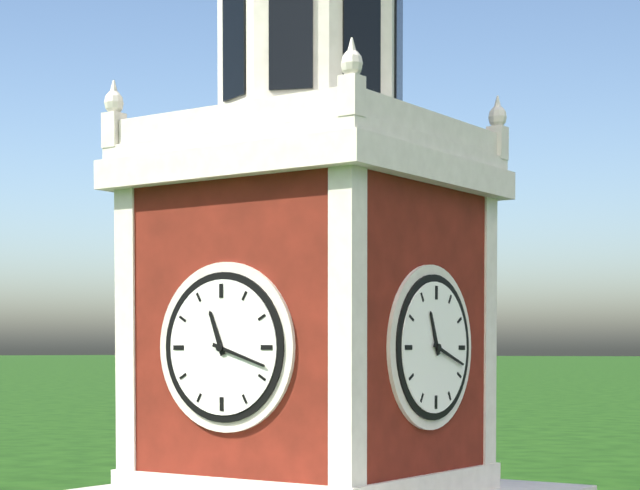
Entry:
h=11 m=18
